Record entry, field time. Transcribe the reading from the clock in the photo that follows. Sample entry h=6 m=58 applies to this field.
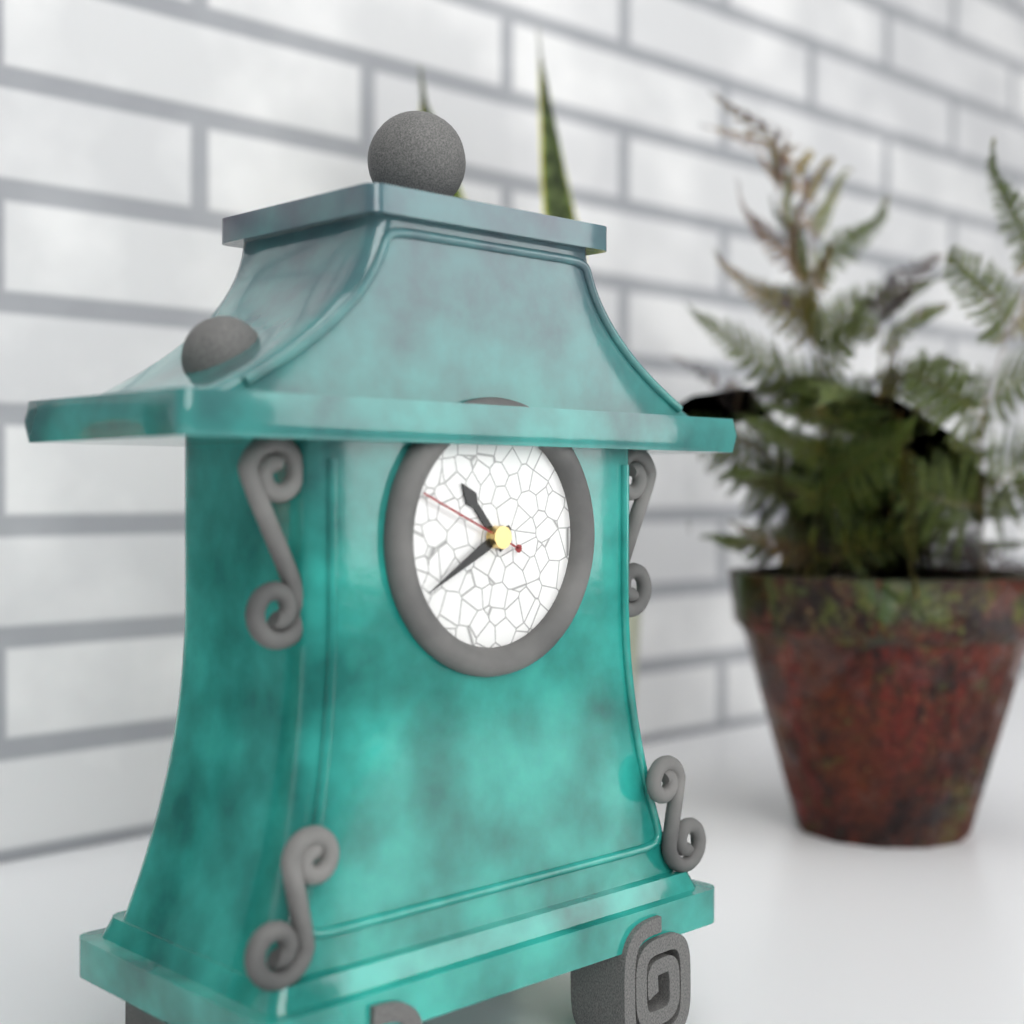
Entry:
h=10 m=40
